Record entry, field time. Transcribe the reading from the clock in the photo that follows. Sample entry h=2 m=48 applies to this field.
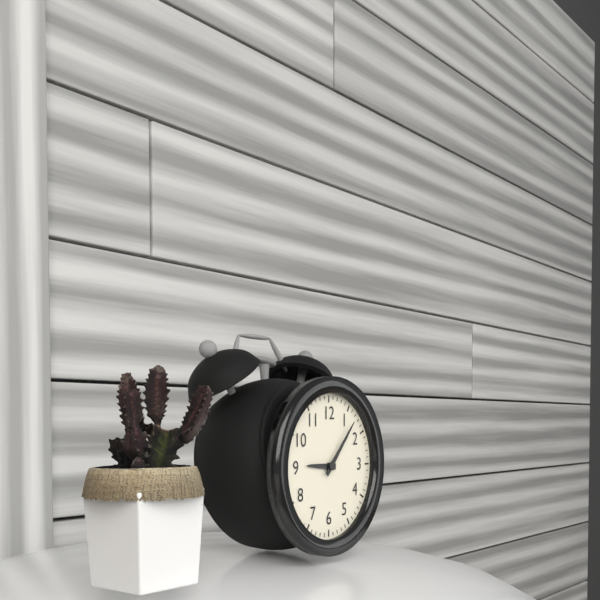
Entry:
h=9 m=7
